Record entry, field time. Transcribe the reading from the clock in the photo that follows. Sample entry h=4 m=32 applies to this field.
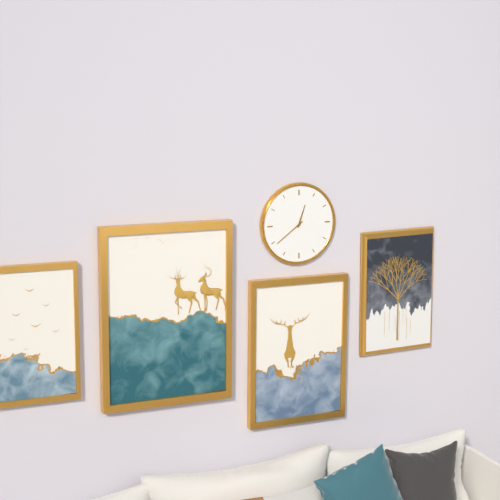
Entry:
h=12 m=39
